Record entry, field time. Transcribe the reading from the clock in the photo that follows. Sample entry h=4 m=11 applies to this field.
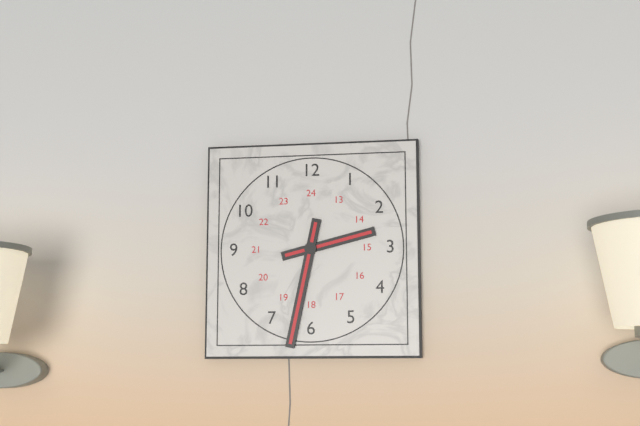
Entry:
h=2 m=32
